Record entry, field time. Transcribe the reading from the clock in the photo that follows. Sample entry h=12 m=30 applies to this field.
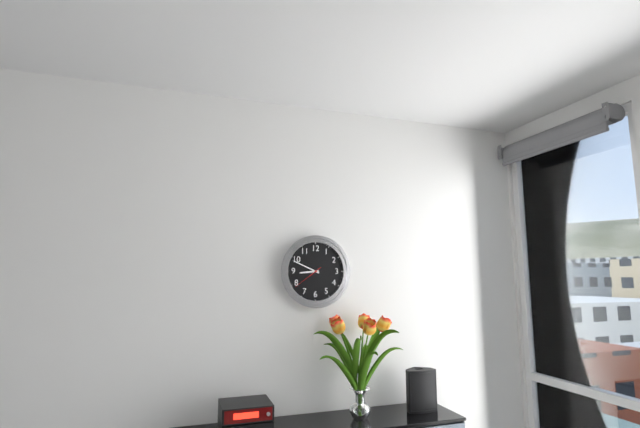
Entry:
h=8 m=49
